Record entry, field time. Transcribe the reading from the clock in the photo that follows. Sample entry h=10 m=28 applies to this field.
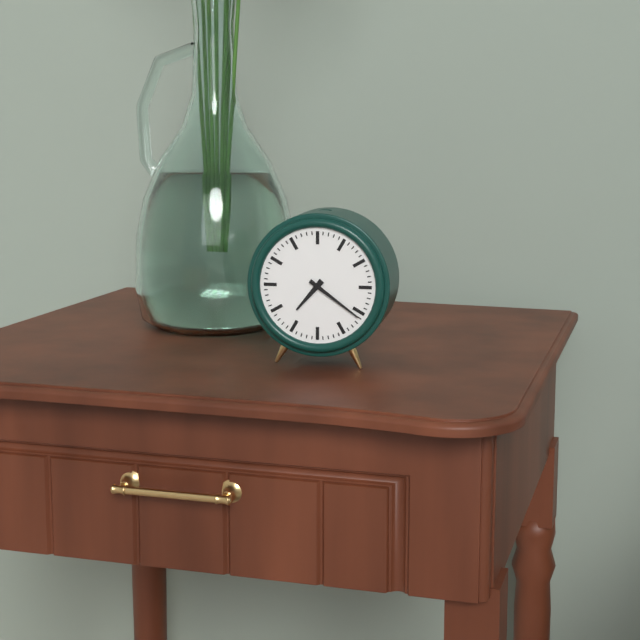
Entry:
h=7 m=21
